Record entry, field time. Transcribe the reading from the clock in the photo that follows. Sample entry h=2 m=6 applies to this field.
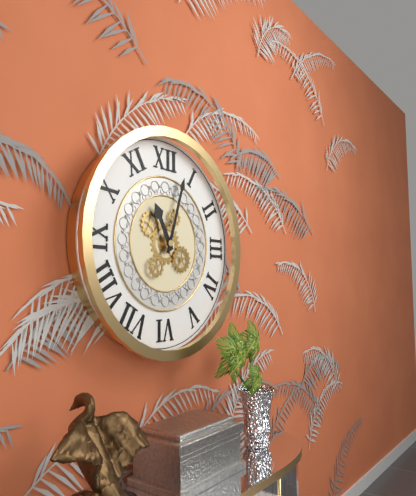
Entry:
h=11 m=3
